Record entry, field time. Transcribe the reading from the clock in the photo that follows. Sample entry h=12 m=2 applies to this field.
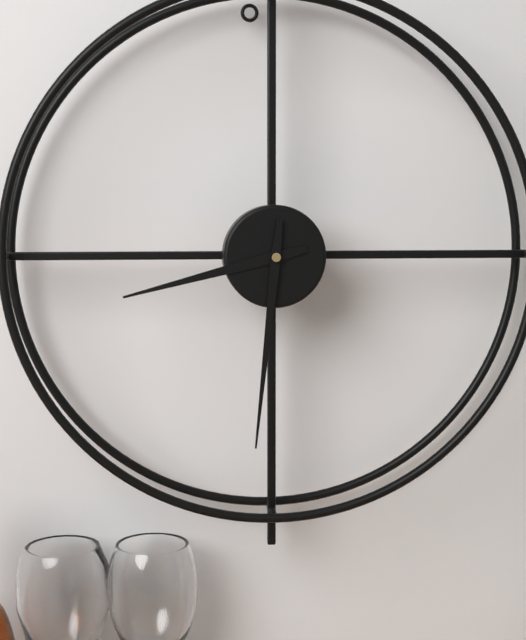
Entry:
h=8 m=31
